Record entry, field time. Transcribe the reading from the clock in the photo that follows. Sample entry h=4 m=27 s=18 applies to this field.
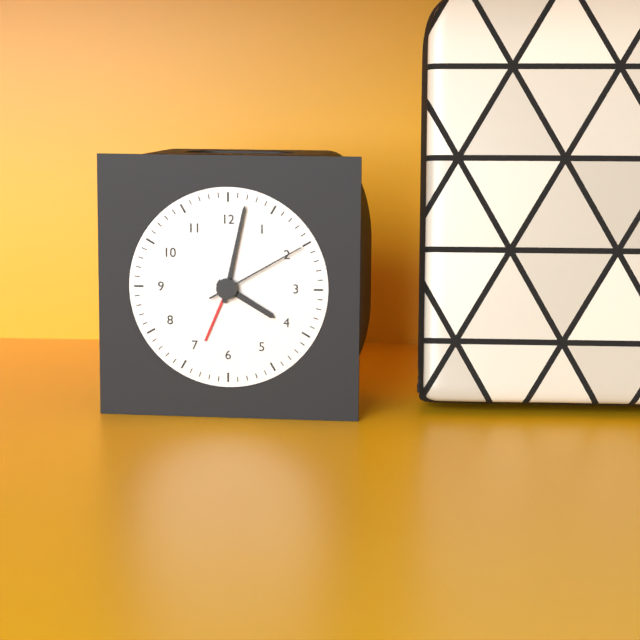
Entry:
h=4 m=2 s=10
